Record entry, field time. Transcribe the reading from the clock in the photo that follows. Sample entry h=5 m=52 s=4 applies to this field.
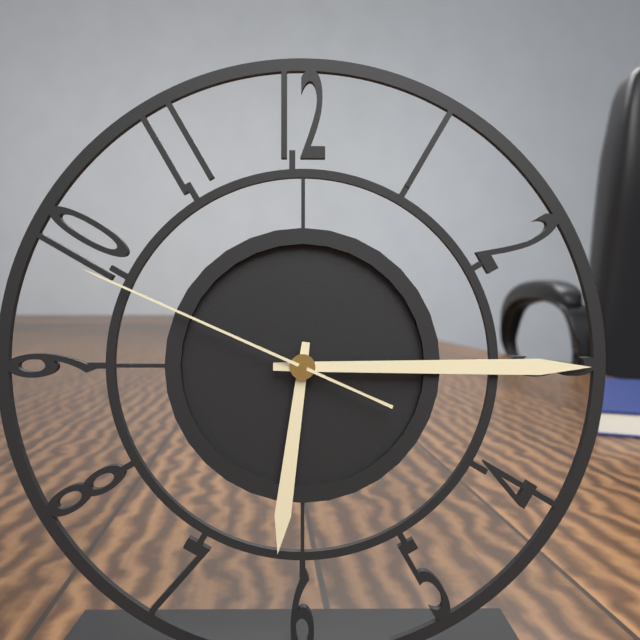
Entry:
h=6 m=15 s=49
